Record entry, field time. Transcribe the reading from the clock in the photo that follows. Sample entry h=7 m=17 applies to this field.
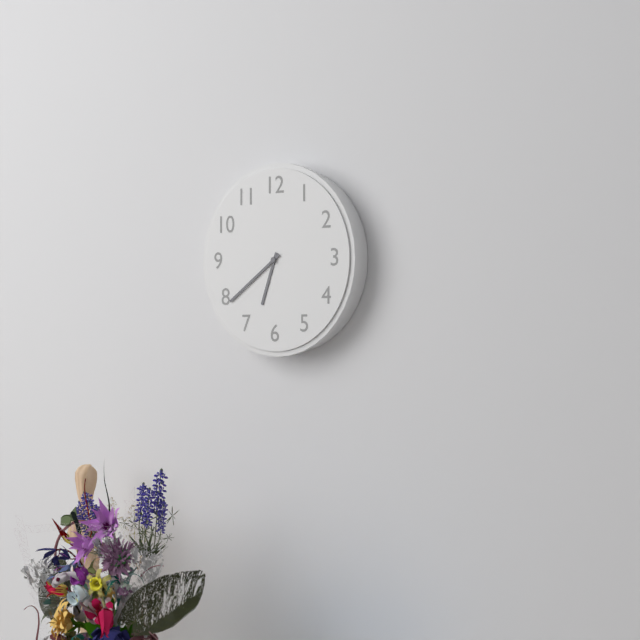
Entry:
h=6 m=39
